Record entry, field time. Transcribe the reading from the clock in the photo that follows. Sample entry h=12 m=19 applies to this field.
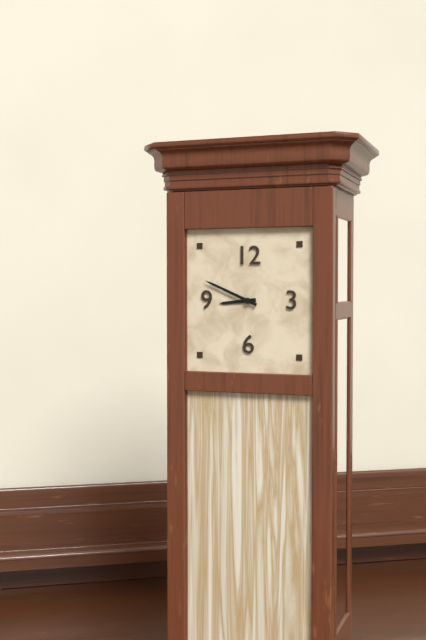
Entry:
h=8 m=49
